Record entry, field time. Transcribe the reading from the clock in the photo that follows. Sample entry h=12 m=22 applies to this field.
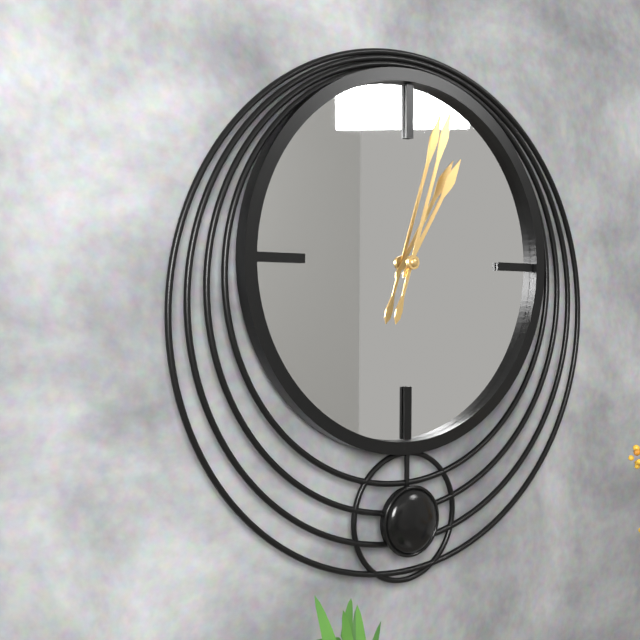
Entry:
h=1 m=3
